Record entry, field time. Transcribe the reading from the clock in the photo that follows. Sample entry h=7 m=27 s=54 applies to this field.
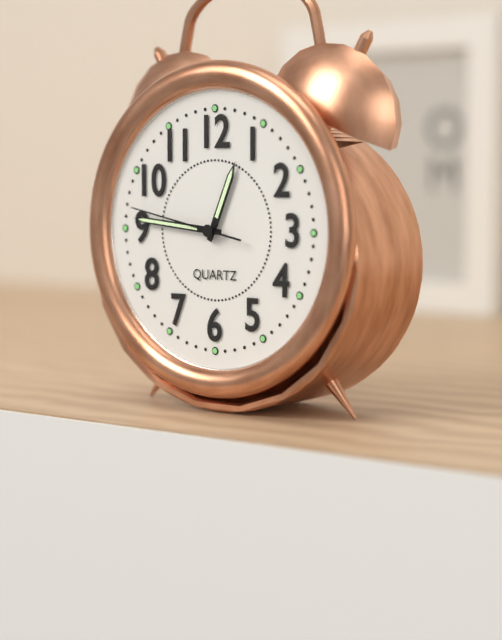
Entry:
h=12 m=46 s=47
